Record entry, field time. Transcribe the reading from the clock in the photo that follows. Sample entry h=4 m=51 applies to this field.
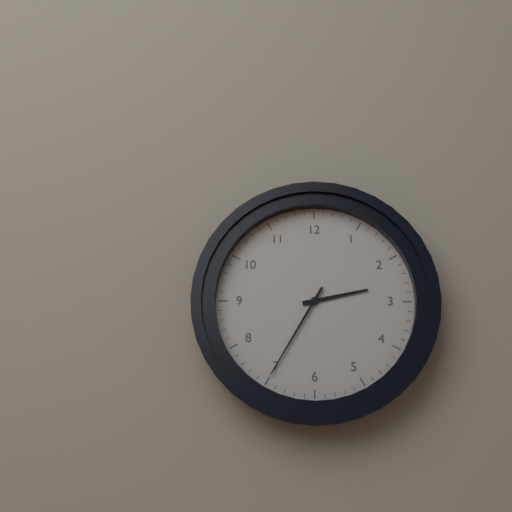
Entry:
h=2 m=35
